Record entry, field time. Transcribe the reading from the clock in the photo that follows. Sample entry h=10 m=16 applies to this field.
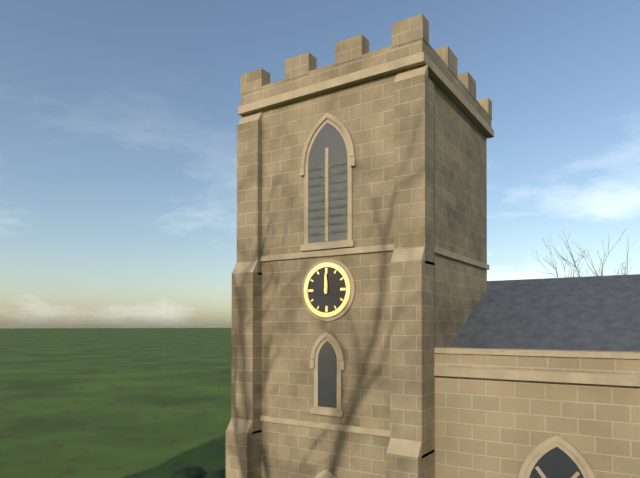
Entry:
h=12 m=0
